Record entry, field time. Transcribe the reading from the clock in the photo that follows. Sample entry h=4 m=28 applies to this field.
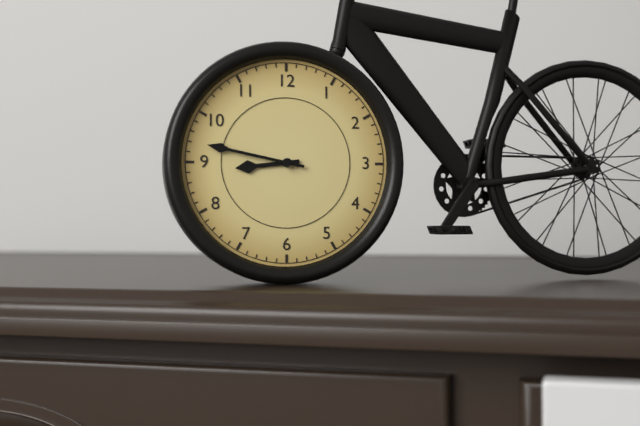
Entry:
h=8 m=47
